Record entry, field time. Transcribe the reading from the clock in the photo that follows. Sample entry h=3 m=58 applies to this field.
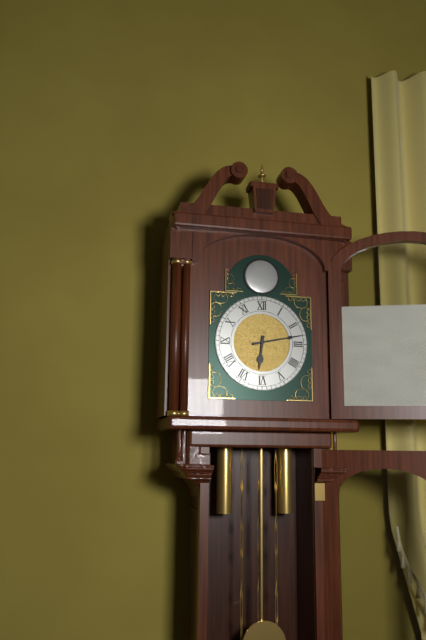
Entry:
h=6 m=13
